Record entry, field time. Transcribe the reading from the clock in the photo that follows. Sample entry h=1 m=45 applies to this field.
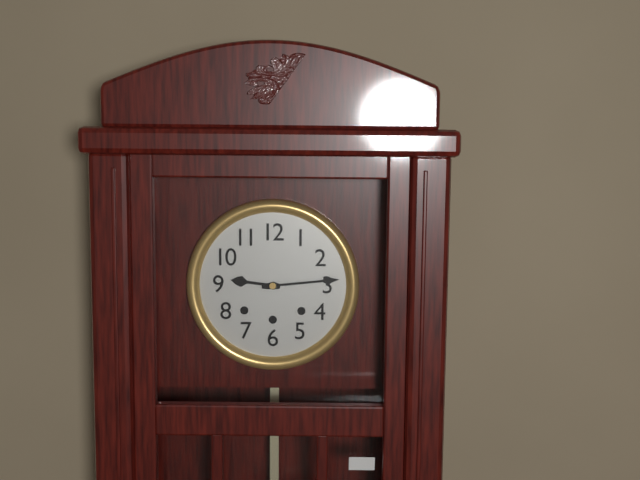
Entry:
h=9 m=14
